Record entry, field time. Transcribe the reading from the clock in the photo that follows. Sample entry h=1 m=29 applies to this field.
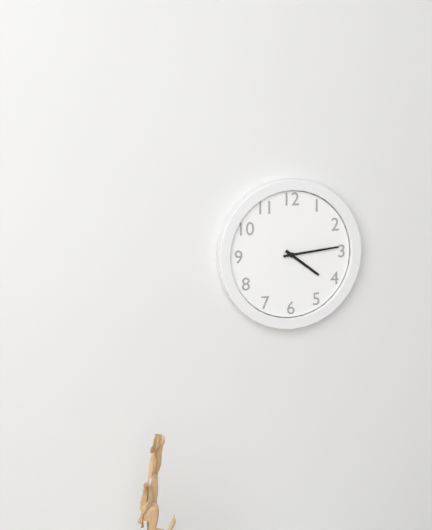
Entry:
h=4 m=14
